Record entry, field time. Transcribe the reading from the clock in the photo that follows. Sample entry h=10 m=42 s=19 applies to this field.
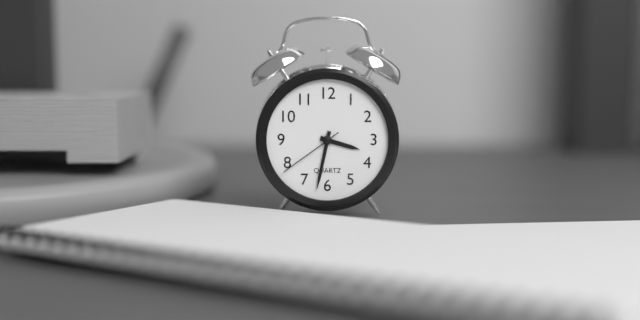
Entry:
h=3 m=32 s=39
